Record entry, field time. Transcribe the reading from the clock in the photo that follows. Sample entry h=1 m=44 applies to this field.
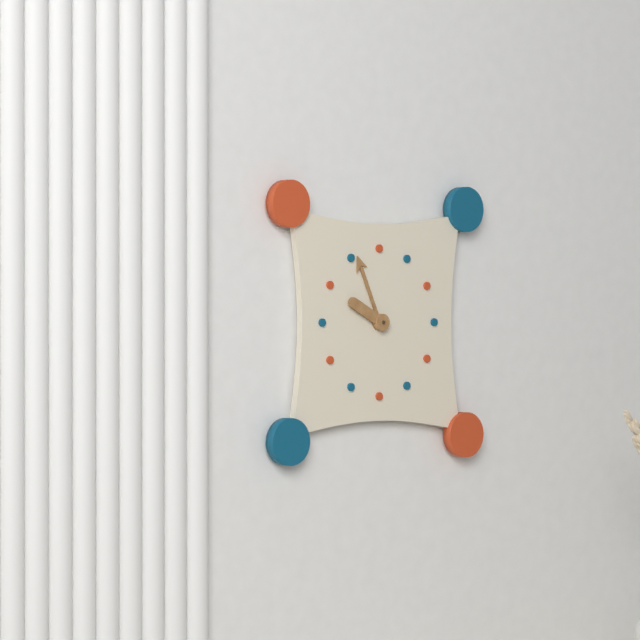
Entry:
h=9 m=56
